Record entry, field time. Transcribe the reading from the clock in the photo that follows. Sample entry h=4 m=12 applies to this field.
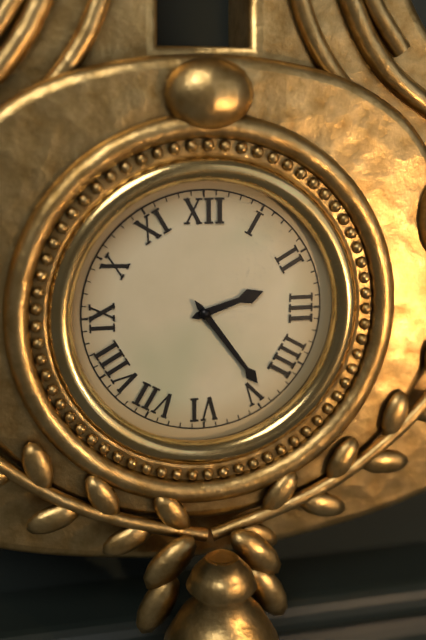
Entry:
h=2 m=24
